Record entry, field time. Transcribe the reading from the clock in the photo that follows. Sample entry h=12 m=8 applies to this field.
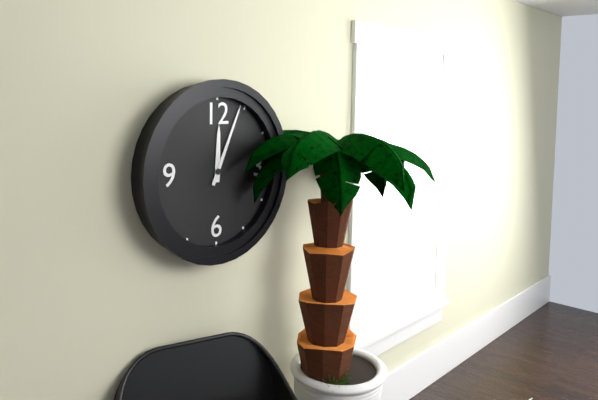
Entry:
h=12 m=4
